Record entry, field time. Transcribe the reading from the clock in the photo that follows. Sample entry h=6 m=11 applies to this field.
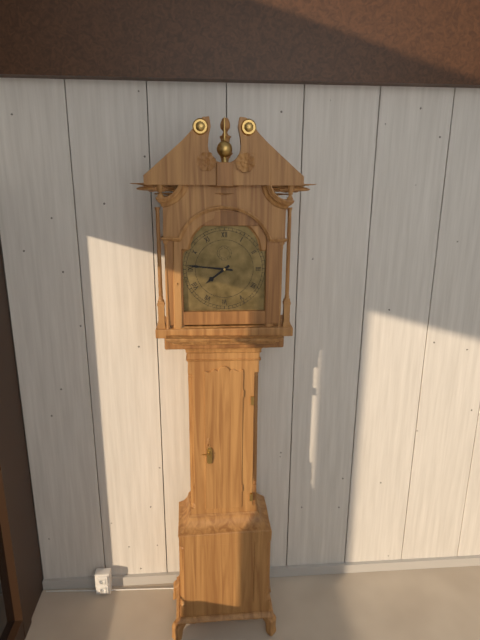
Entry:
h=7 m=46
